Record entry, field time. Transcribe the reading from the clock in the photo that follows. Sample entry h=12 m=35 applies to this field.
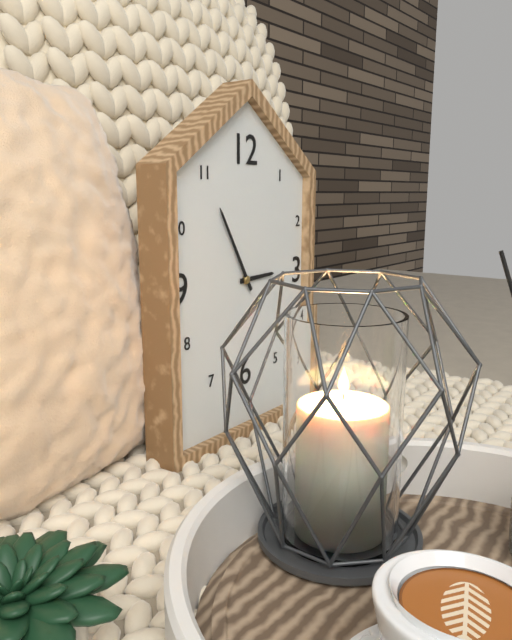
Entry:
h=2 m=55
